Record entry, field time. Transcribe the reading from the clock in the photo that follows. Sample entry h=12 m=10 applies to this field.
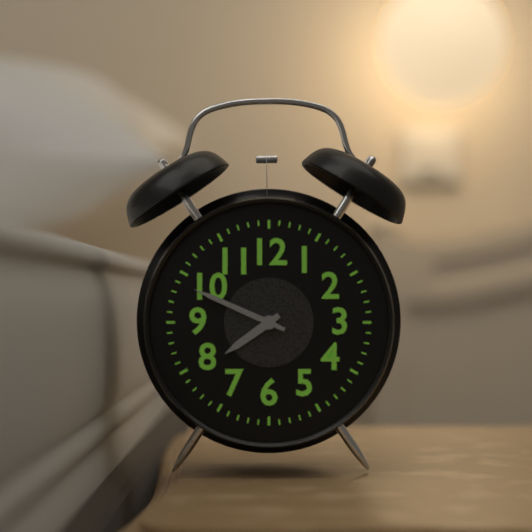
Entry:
h=7 m=49
